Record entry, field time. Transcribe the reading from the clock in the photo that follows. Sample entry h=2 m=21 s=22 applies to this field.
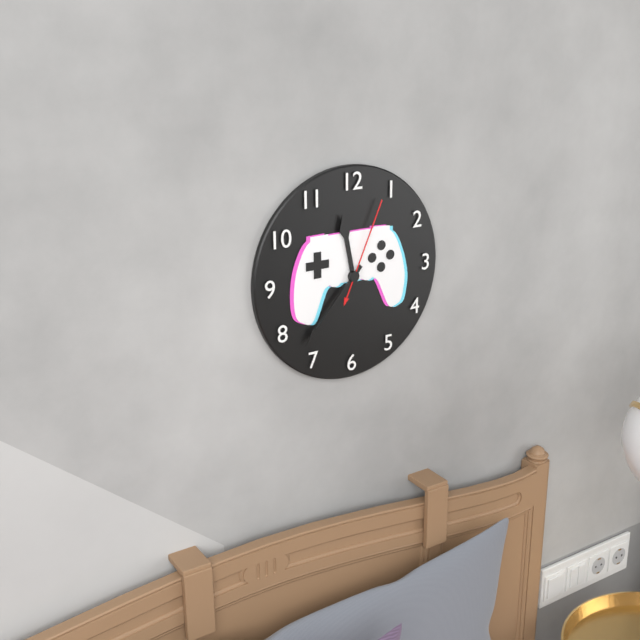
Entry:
h=11 m=37 s=4
